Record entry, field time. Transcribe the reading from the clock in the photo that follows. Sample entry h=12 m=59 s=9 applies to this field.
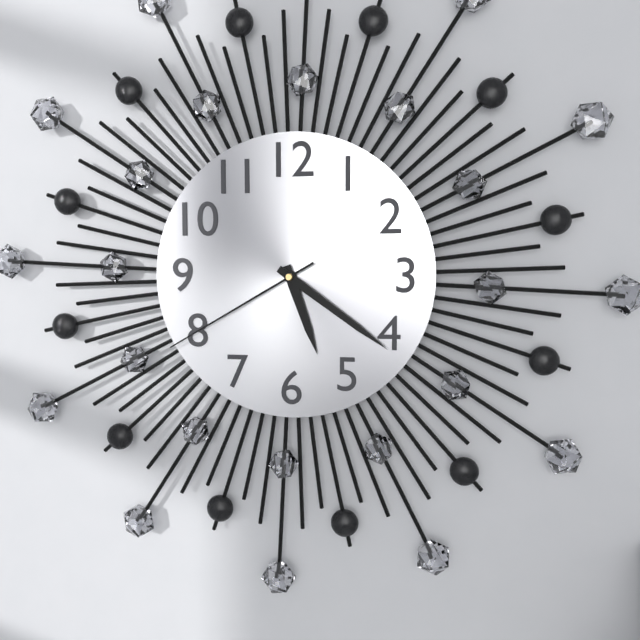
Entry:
h=5 m=21 s=40
